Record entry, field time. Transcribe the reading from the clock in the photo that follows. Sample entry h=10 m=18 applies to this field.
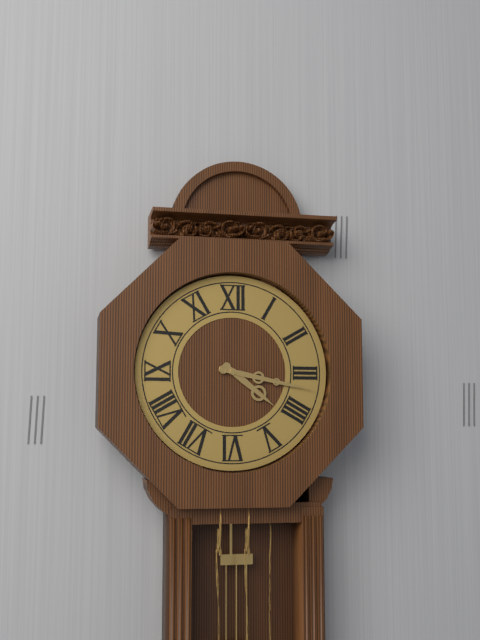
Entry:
h=4 m=17
